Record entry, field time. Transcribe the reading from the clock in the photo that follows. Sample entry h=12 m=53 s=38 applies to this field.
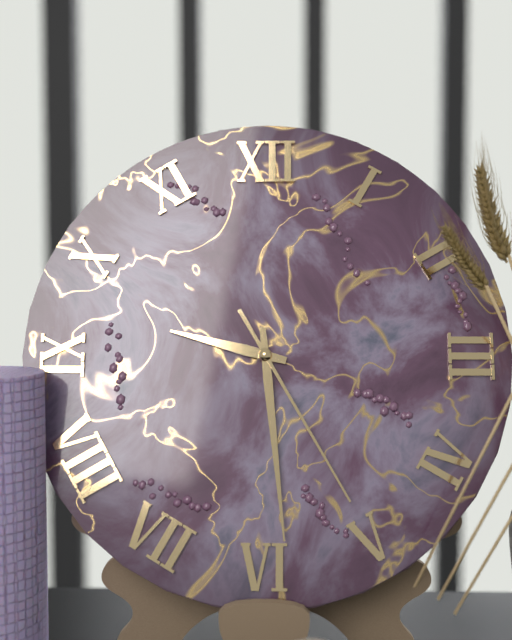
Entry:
h=9 m=29 s=25
